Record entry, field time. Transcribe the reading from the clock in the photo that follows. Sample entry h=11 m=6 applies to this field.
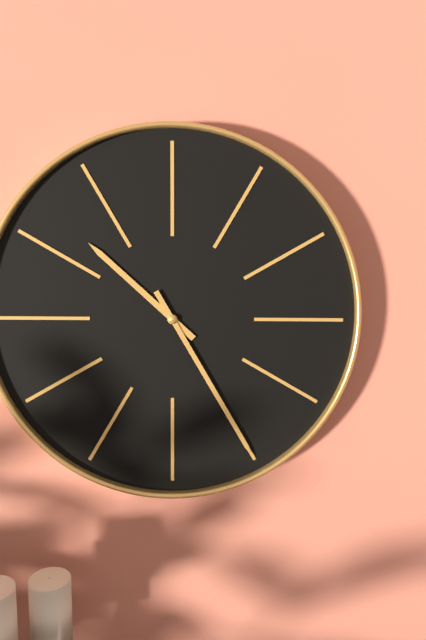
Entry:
h=10 m=25
